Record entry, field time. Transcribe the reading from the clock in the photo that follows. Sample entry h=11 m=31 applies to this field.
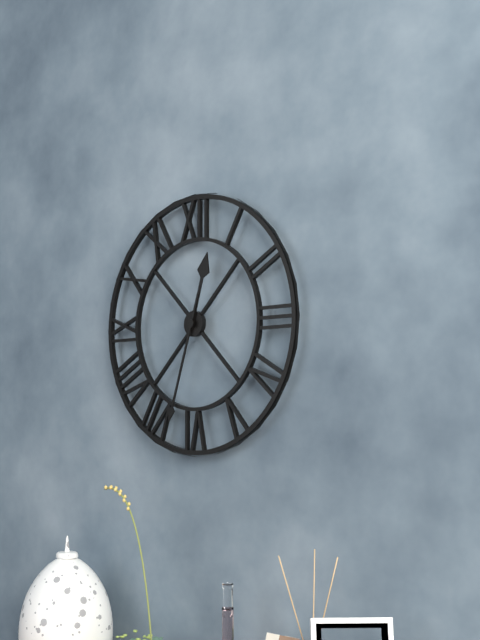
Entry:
h=12 m=33
